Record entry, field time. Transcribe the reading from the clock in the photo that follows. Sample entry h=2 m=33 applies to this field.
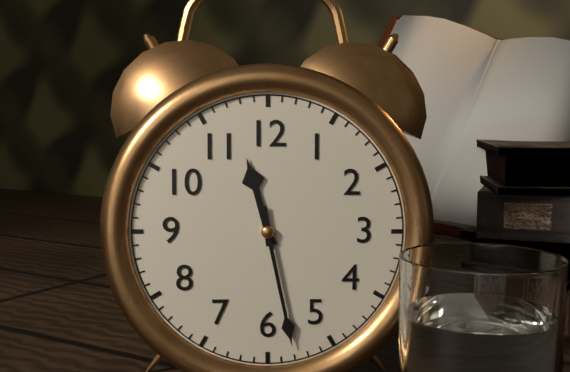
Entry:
h=11 m=28
